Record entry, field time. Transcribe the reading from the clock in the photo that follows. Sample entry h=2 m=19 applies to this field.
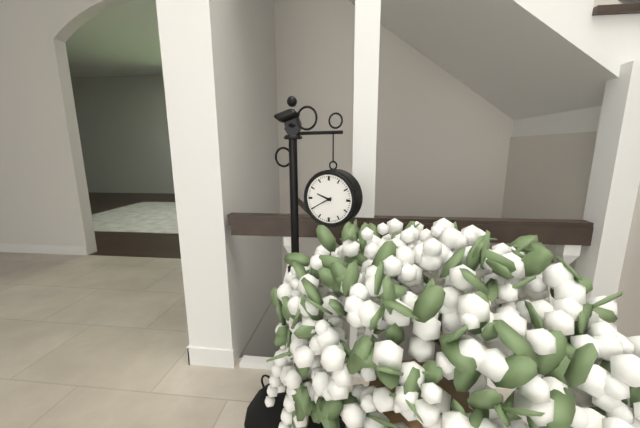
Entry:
h=9 m=40
